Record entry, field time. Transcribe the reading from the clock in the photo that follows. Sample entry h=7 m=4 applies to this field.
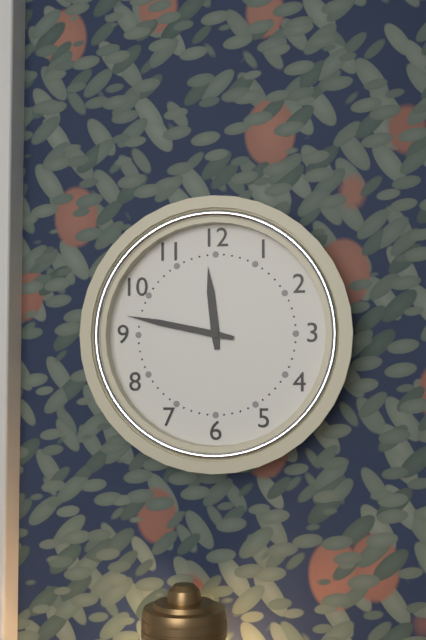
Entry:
h=11 m=47
